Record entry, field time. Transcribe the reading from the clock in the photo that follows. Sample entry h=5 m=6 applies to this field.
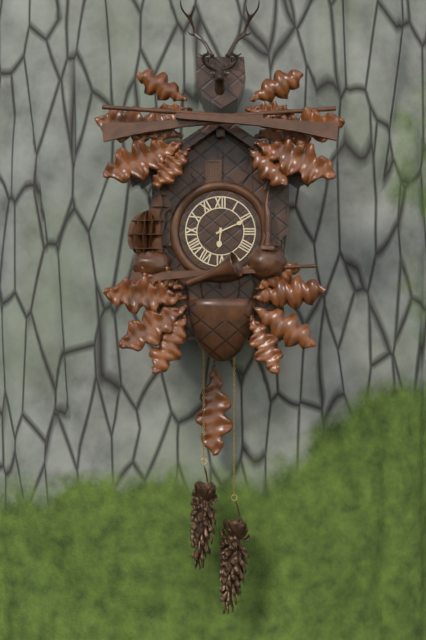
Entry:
h=6 m=11
